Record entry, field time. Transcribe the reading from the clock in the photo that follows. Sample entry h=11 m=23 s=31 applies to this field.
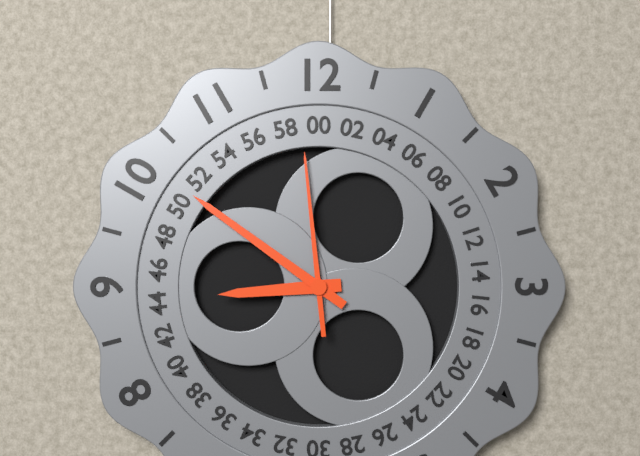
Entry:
h=8 m=51 s=59
